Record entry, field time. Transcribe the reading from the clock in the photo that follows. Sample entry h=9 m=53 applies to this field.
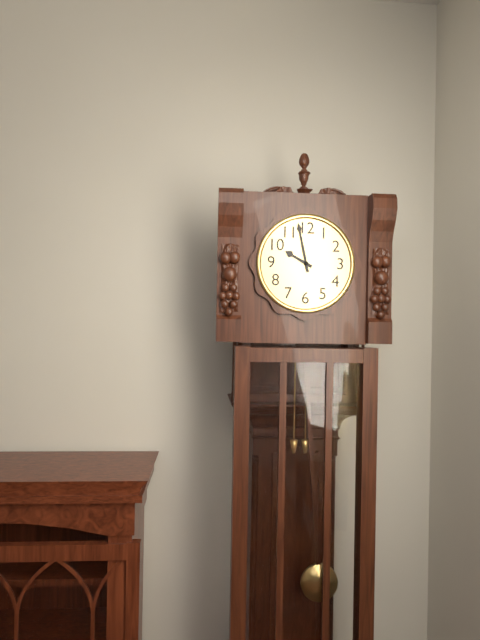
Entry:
h=9 m=58
